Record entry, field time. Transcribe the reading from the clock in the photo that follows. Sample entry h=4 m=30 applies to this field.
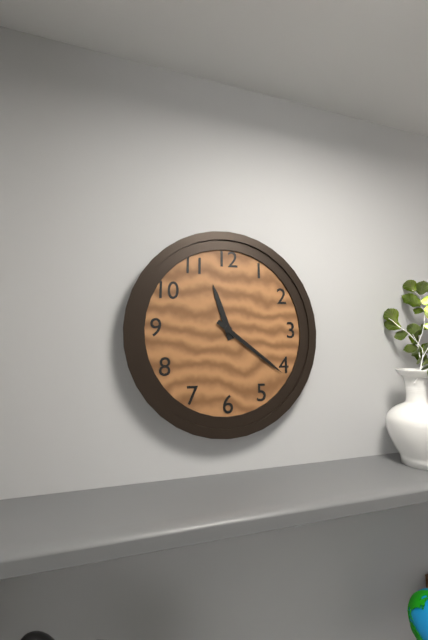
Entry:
h=11 m=21
